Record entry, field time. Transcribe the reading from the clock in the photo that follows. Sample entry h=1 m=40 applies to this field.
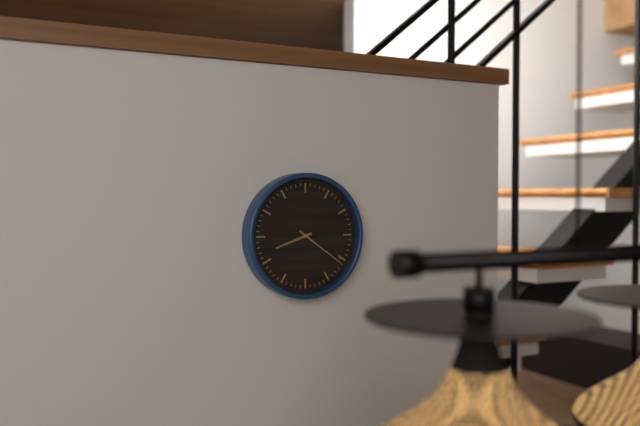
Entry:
h=8 m=21
